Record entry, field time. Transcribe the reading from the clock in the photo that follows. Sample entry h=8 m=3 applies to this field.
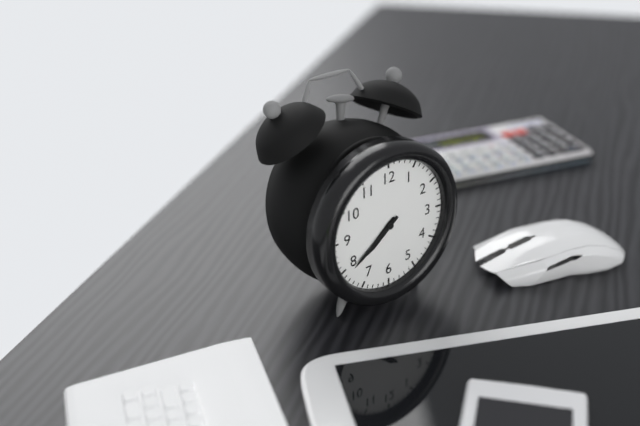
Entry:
h=7 m=39
